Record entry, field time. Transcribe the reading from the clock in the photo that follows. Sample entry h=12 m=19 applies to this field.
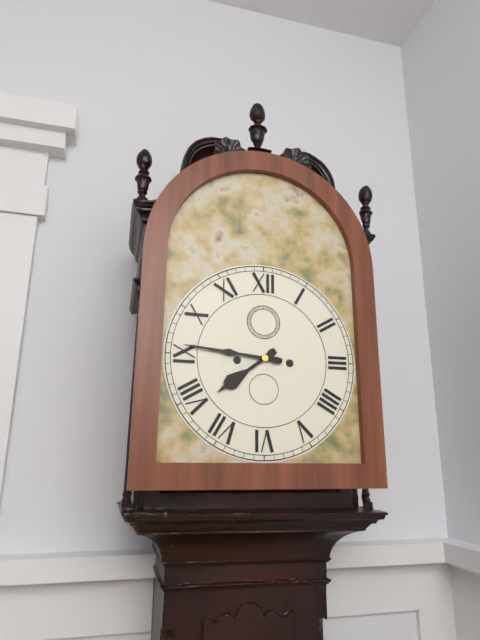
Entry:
h=7 m=46
